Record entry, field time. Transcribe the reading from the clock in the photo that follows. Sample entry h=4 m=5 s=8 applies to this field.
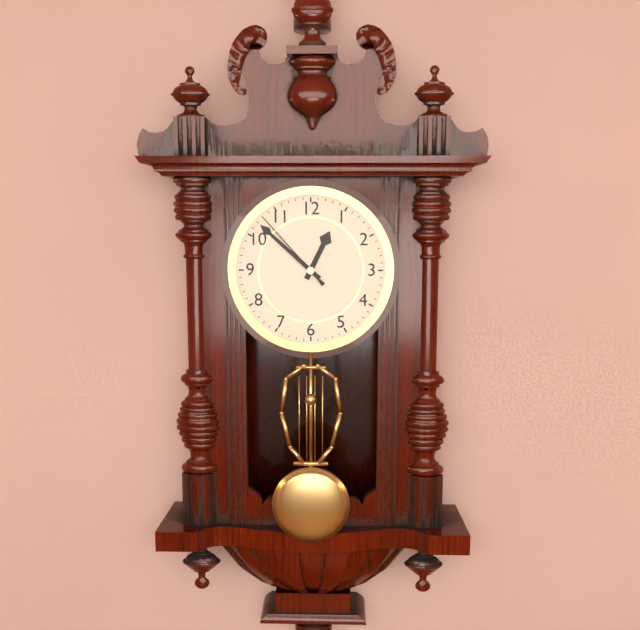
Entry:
h=12 m=52 s=53
